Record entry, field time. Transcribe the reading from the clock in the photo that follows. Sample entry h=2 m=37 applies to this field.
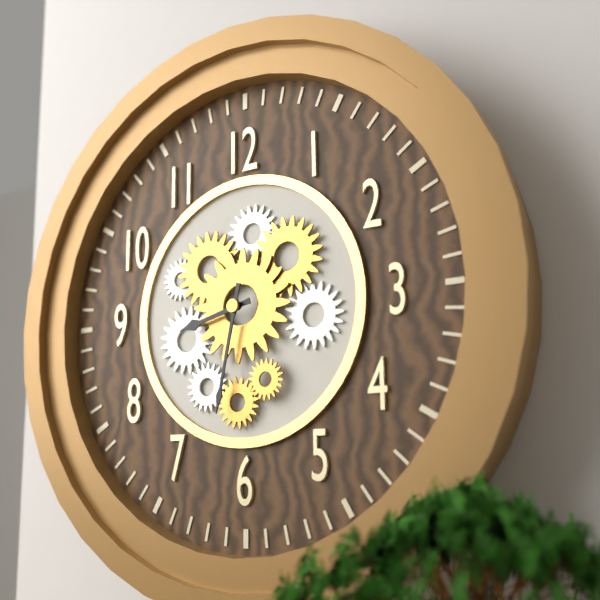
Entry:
h=8 m=32
